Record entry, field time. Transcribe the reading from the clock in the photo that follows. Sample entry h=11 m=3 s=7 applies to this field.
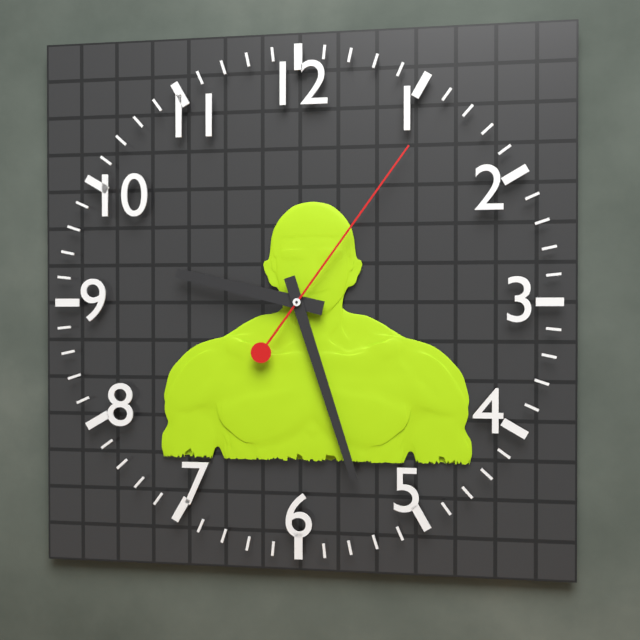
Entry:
h=9 m=27 s=6
